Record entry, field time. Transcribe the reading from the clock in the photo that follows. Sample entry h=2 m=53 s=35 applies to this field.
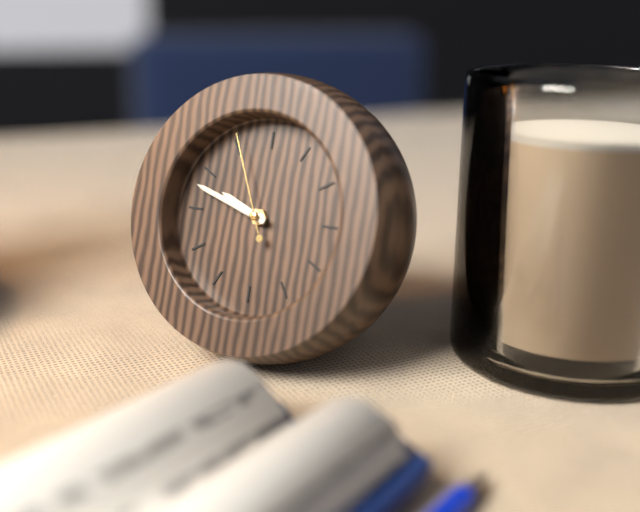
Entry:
h=9 m=48 s=56
